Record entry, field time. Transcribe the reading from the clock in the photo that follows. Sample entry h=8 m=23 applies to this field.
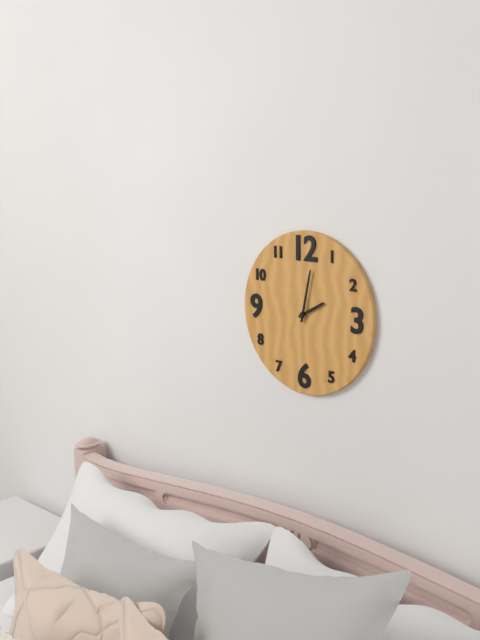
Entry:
h=2 m=2
